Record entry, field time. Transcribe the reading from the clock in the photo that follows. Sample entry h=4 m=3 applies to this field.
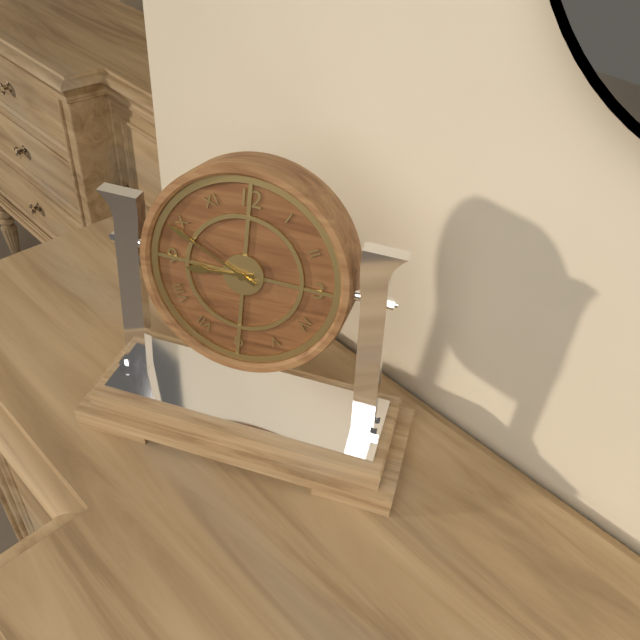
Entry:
h=8 m=49
